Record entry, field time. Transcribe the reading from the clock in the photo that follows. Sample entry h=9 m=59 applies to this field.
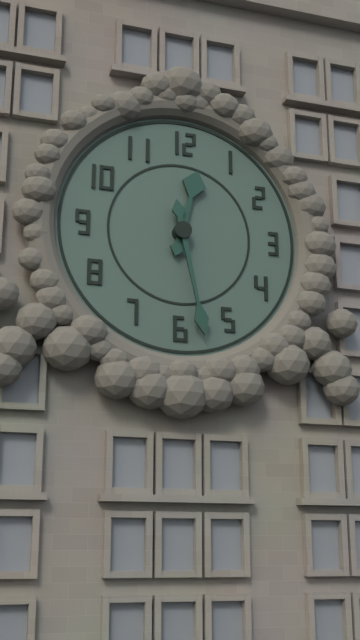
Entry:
h=12 m=28
